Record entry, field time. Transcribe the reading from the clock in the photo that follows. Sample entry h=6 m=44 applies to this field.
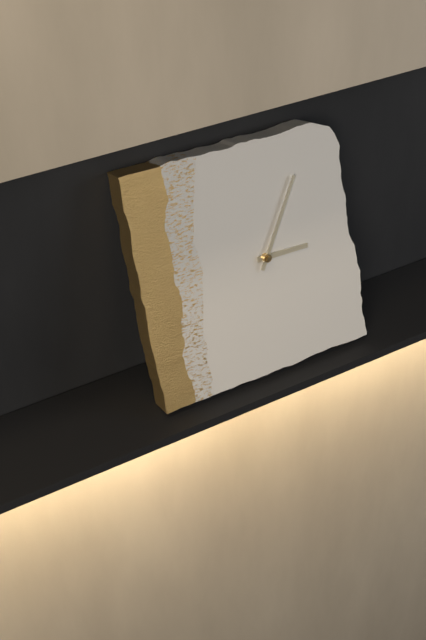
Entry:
h=3 m=5
